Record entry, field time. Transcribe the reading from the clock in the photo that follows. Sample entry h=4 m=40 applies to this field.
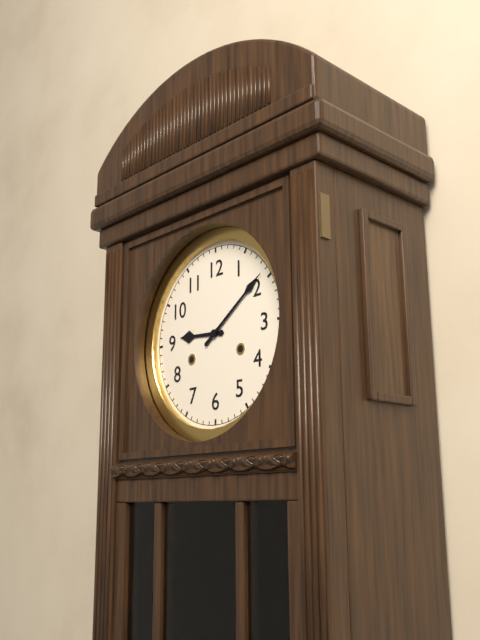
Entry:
h=9 m=9
